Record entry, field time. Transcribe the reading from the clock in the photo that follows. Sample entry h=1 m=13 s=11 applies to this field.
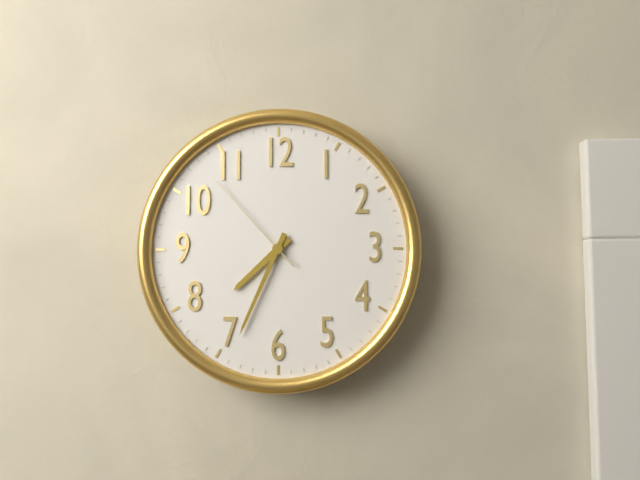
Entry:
h=7 m=34 s=53
